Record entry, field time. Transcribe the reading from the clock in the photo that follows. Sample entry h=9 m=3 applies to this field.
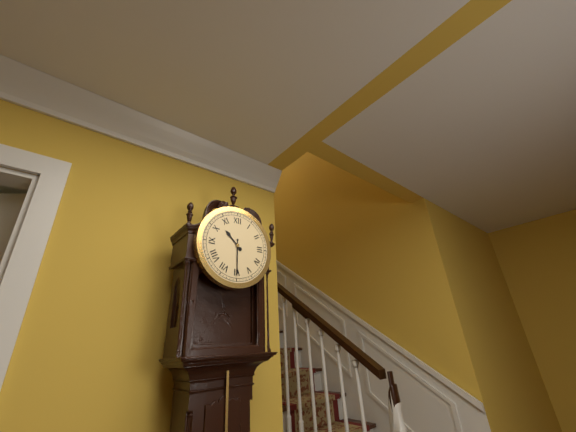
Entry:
h=10 m=30
